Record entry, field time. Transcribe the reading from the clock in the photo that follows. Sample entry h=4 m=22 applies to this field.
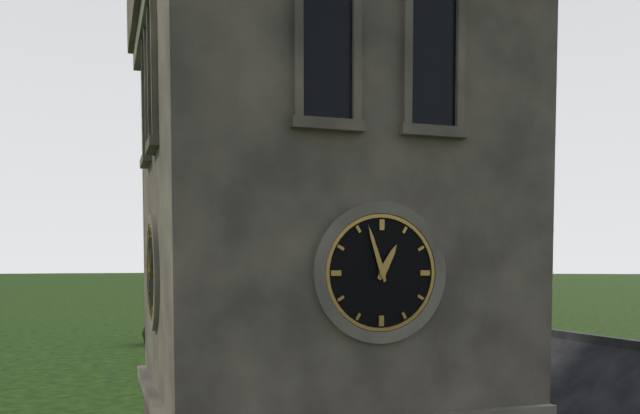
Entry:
h=12 m=57
